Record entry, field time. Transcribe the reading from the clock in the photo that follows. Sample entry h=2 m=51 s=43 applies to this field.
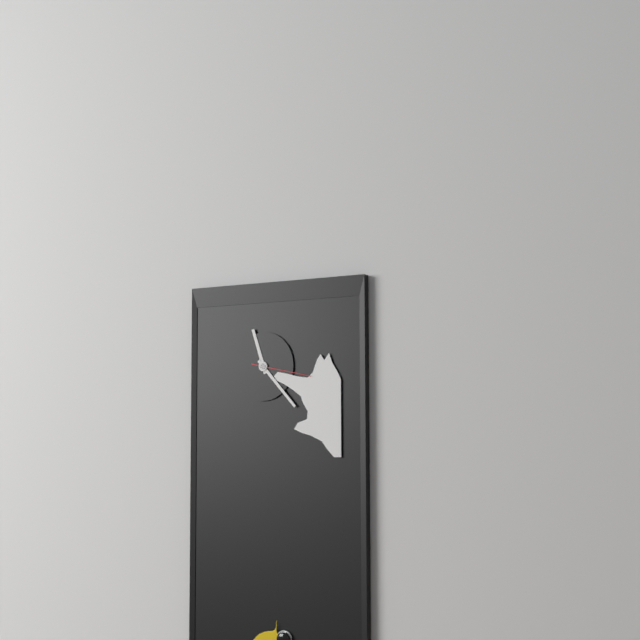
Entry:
h=11 m=23 s=17
